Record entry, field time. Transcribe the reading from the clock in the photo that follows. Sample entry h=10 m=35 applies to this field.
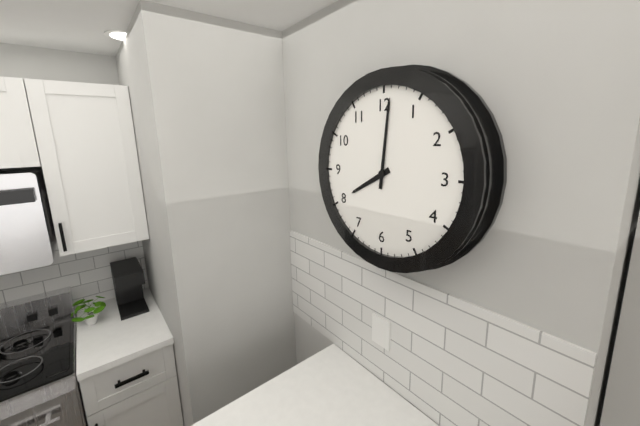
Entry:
h=8 m=1
